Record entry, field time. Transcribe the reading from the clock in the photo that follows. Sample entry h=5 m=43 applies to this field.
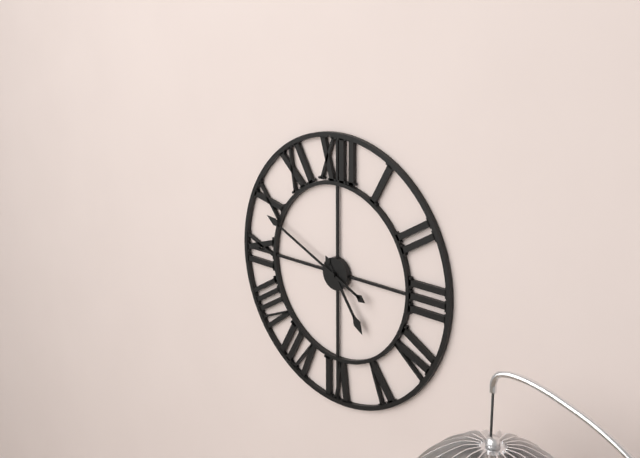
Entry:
h=4 m=49
